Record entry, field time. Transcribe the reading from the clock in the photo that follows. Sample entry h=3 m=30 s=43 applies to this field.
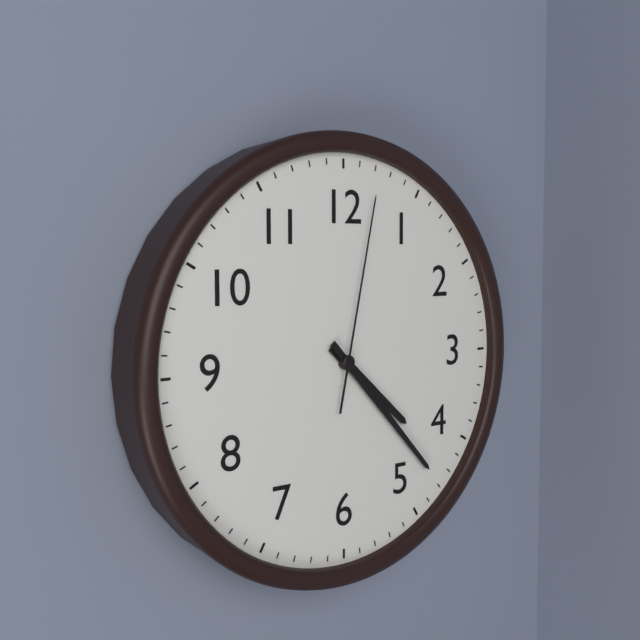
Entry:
h=4 m=23 s=2
